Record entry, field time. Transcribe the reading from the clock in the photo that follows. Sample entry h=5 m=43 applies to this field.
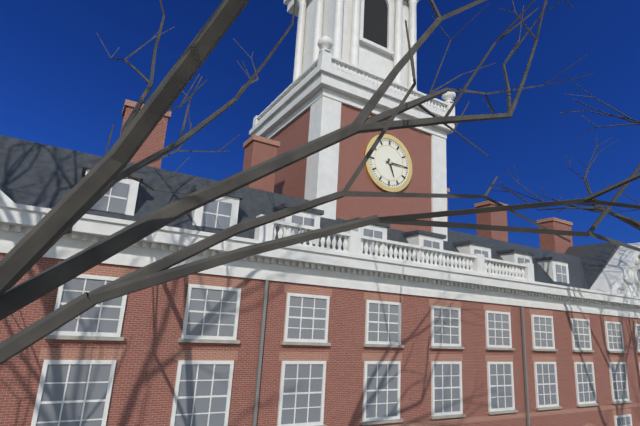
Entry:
h=5 m=15
